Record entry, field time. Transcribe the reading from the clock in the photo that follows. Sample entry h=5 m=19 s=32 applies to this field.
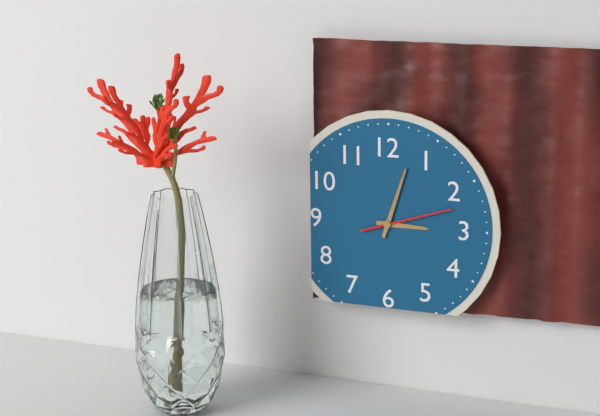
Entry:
h=3 m=3 s=12
